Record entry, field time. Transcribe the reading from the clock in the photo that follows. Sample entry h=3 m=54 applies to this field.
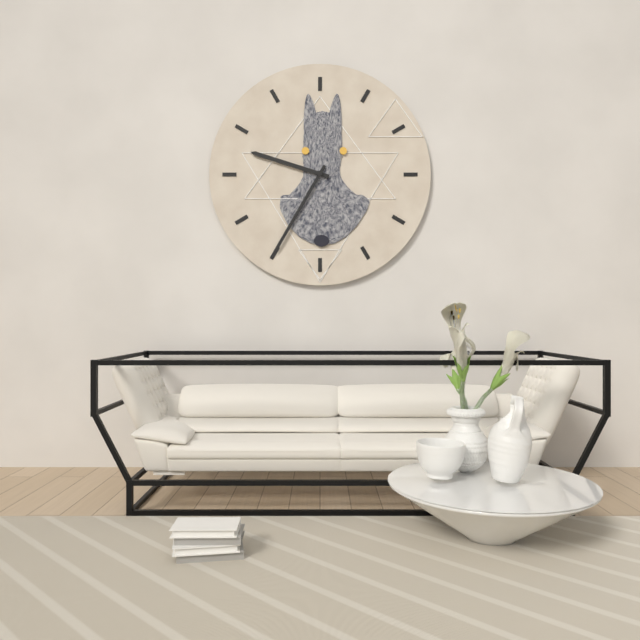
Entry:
h=9 m=35
